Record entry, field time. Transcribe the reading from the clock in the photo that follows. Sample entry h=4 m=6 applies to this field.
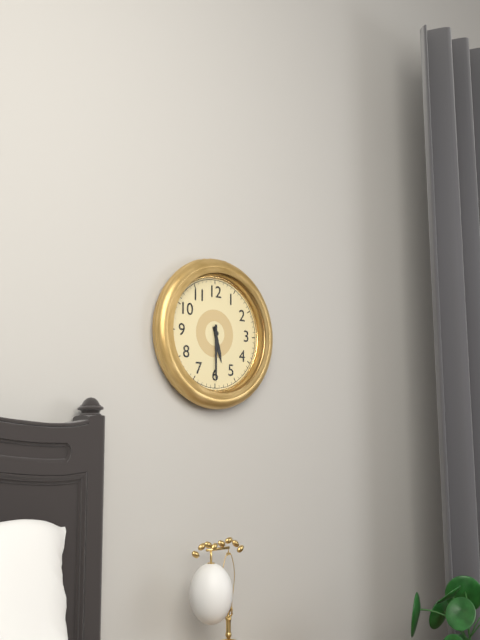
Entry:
h=5 m=30
